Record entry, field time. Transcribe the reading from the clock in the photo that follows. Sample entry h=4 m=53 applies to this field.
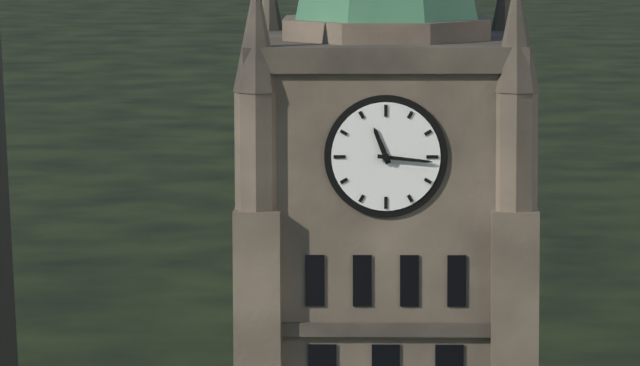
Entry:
h=11 m=16
